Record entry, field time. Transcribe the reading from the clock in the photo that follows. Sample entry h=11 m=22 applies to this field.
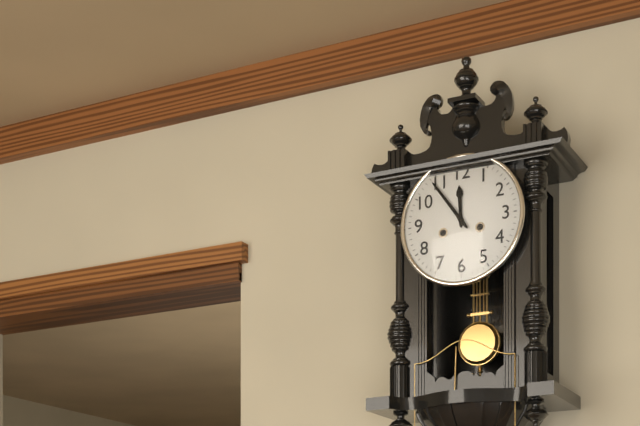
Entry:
h=11 m=54
